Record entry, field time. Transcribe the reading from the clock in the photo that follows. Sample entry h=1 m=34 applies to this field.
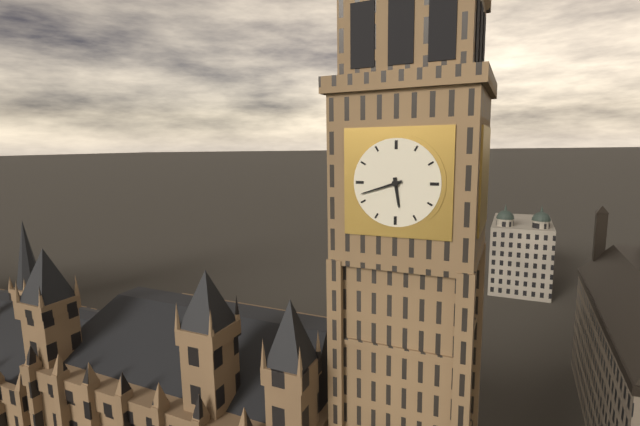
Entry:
h=5 m=42
